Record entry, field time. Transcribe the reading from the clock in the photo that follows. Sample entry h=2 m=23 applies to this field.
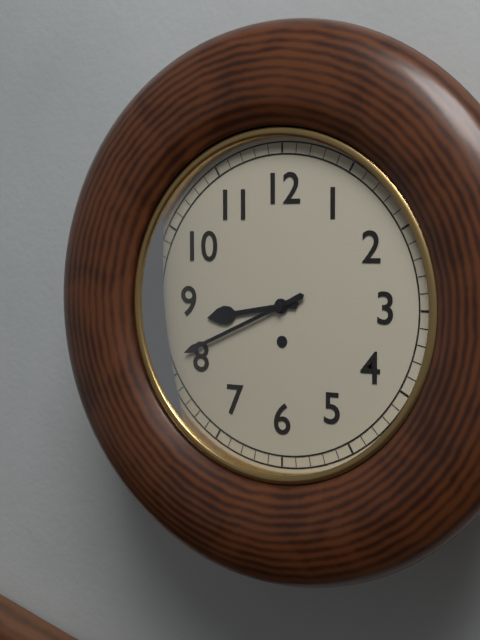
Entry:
h=8 m=41
